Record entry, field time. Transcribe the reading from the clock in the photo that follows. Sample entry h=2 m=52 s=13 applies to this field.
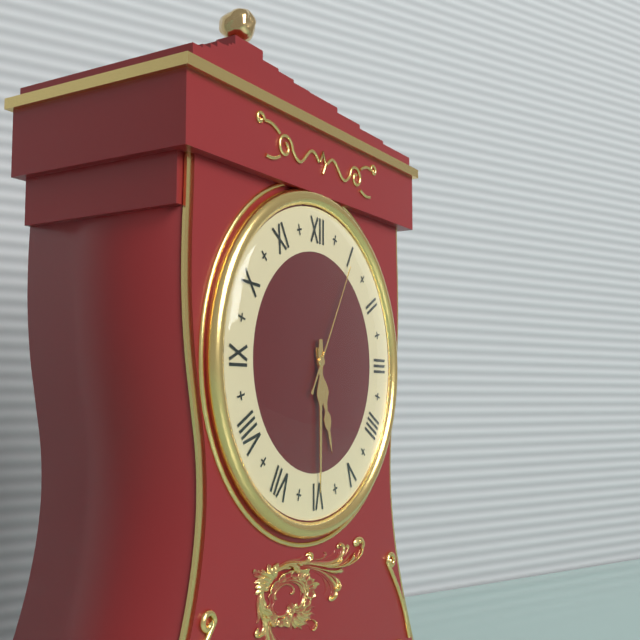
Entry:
h=5 m=30 s=5
